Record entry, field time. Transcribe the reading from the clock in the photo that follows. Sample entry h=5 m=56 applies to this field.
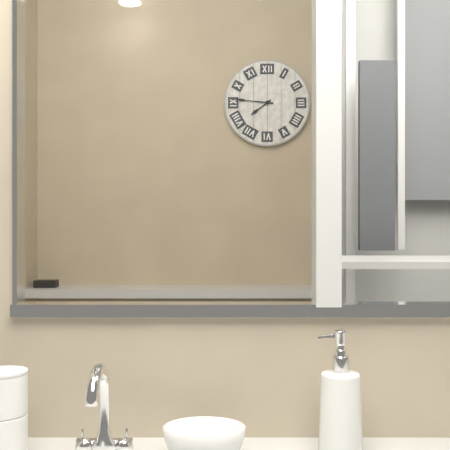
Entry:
h=7 m=46
